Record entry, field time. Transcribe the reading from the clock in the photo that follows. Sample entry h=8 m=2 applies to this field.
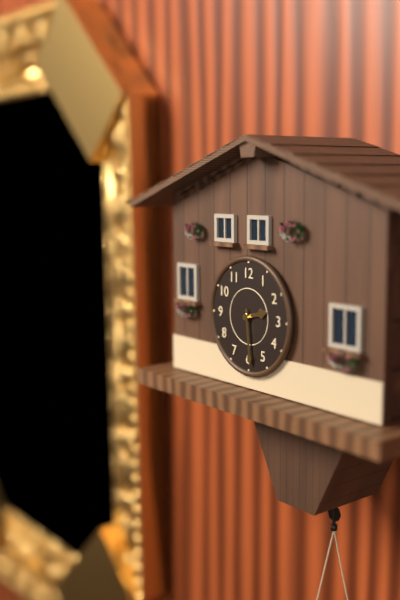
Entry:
h=2 m=29
